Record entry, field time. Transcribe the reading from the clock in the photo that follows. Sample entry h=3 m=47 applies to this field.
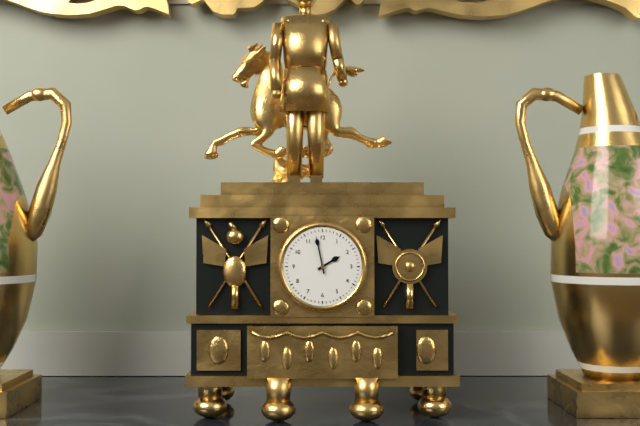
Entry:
h=1 m=58
